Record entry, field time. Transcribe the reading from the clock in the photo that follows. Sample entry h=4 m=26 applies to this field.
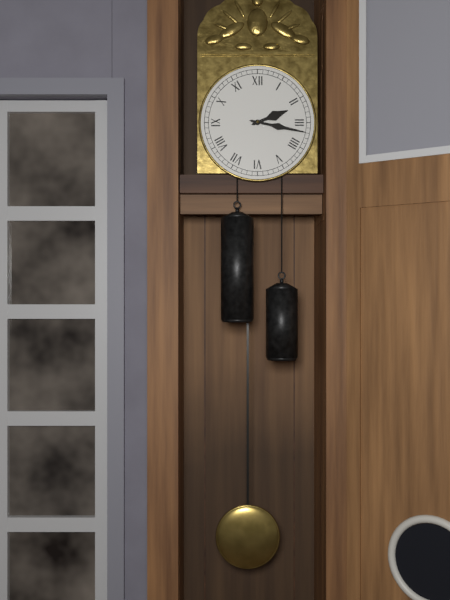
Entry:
h=2 m=17
